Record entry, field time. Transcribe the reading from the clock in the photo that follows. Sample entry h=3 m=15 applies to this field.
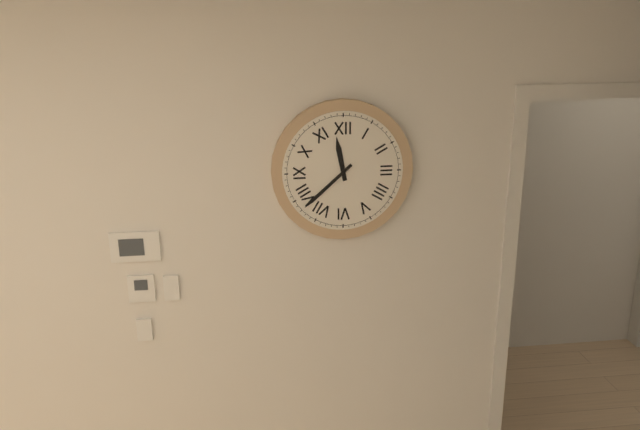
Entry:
h=11 m=38
